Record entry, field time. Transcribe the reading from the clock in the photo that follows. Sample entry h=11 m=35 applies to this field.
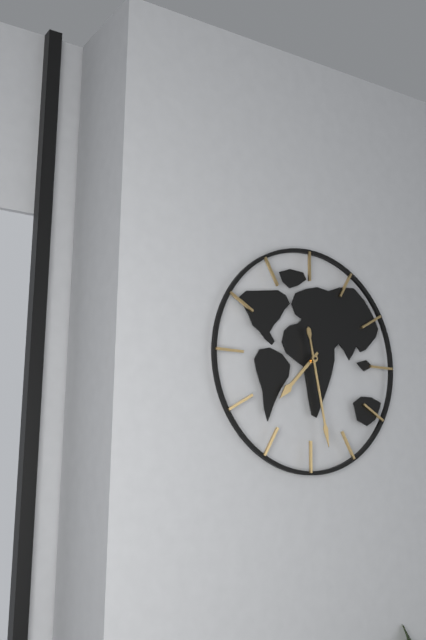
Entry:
h=7 m=28
